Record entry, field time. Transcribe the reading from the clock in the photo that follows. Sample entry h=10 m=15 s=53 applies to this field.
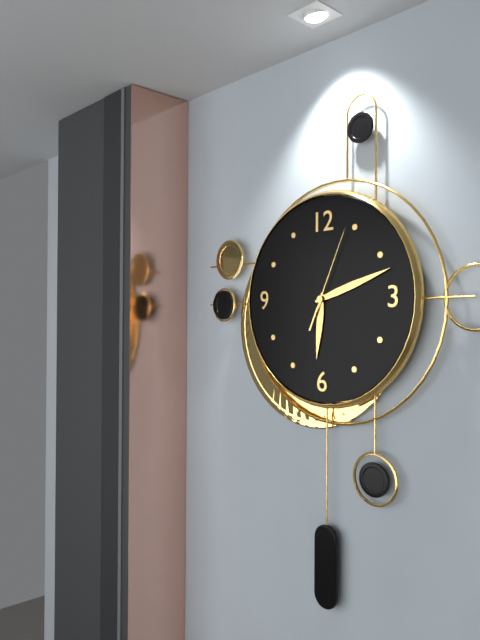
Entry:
h=6 m=12 s=4
